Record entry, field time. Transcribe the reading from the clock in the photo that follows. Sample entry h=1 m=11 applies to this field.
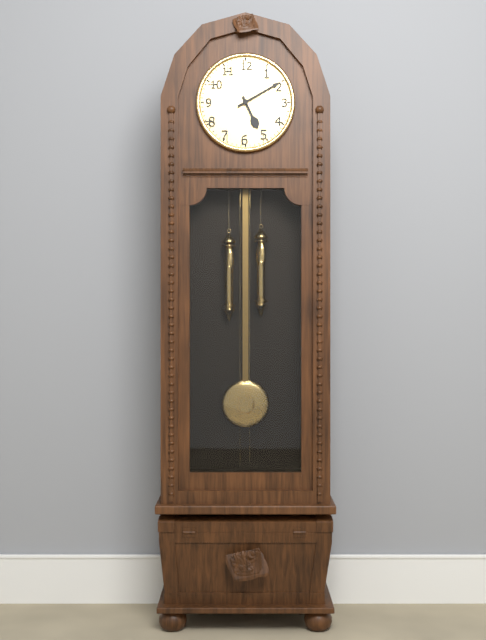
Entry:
h=5 m=10
